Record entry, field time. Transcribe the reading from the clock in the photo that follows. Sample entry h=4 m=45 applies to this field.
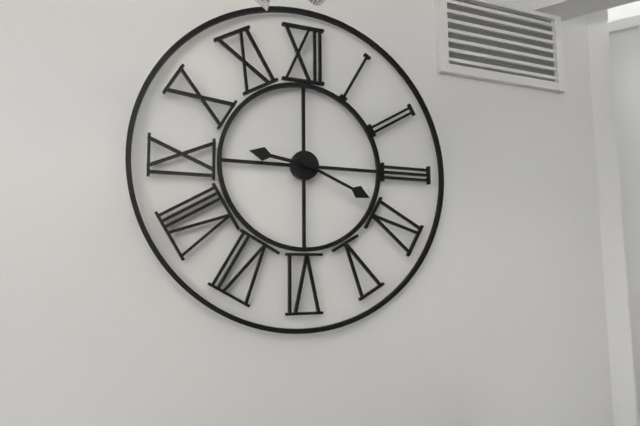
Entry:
h=9 m=19
